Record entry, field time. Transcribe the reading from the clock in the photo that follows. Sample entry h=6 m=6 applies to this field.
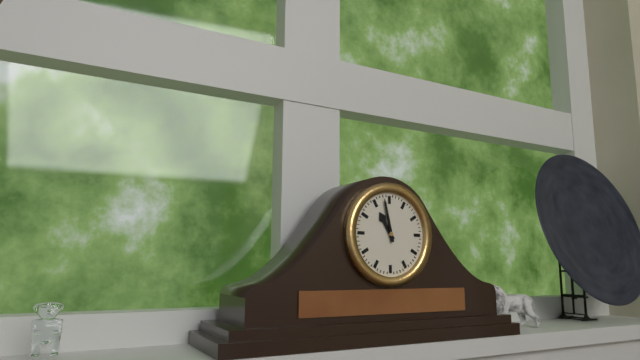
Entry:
h=10 m=58
